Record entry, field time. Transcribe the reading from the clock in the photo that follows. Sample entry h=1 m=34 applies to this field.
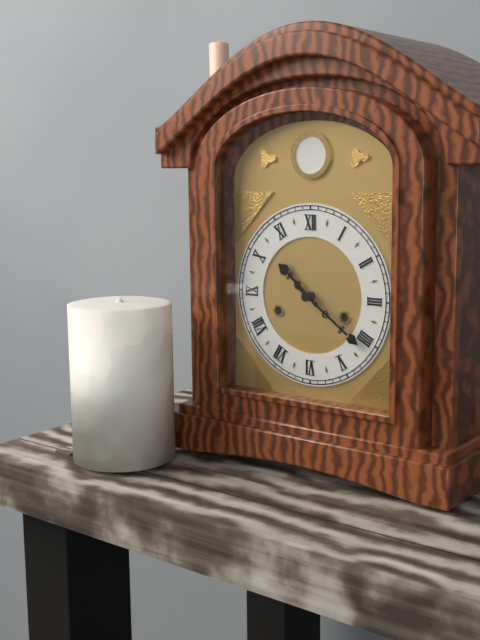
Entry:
h=10 m=21
